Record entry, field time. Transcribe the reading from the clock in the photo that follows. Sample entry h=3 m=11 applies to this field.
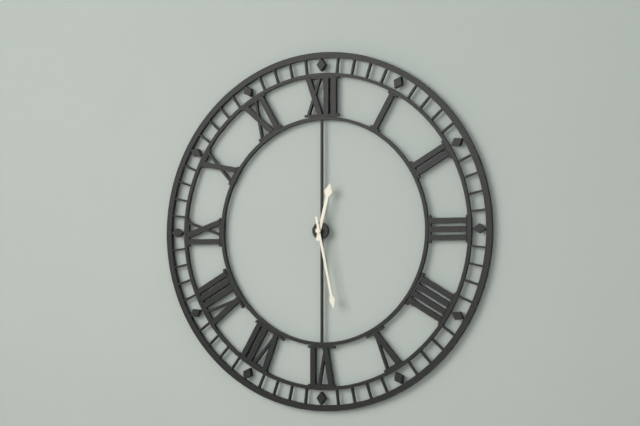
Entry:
h=12 m=28
